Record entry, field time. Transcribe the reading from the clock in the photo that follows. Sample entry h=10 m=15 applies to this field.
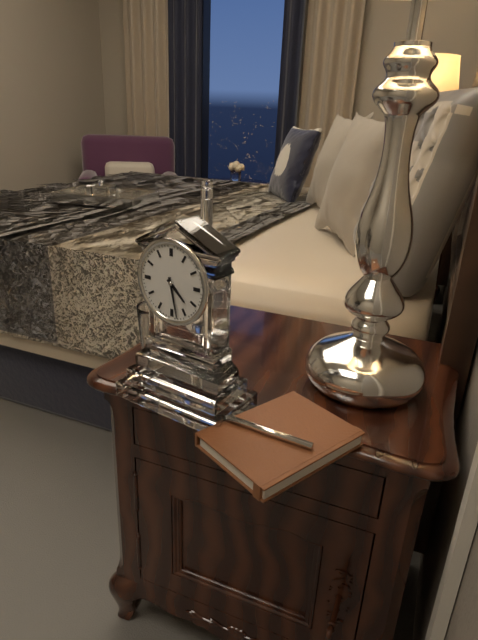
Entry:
h=4 m=28
